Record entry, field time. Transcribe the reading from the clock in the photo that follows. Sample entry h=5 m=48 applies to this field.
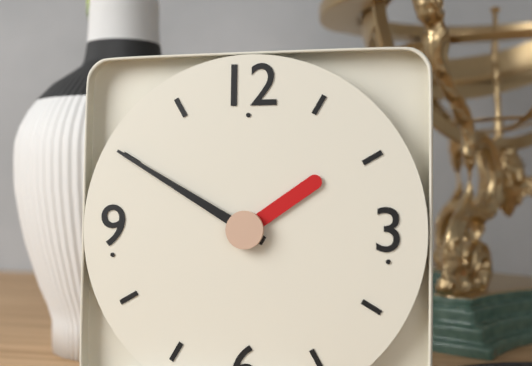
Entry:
h=1 m=50
